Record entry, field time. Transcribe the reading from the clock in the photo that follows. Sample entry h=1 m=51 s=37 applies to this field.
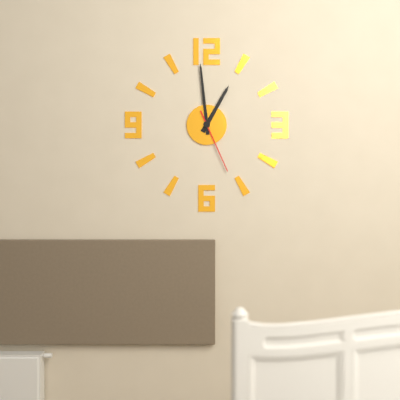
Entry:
h=12 m=59 s=26
